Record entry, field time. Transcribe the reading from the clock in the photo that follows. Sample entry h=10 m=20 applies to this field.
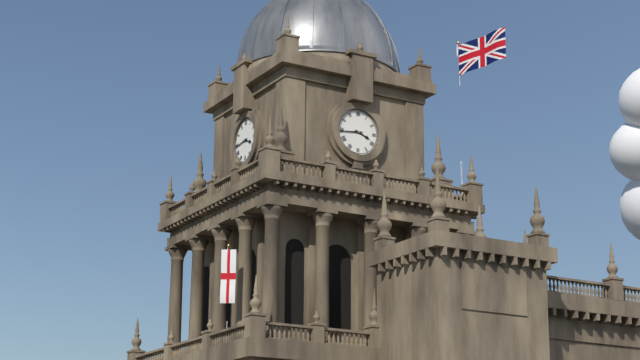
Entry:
h=3 m=44
